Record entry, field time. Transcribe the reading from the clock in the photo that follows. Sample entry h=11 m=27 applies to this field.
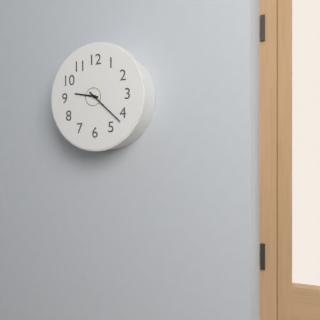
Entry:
h=9 m=22
